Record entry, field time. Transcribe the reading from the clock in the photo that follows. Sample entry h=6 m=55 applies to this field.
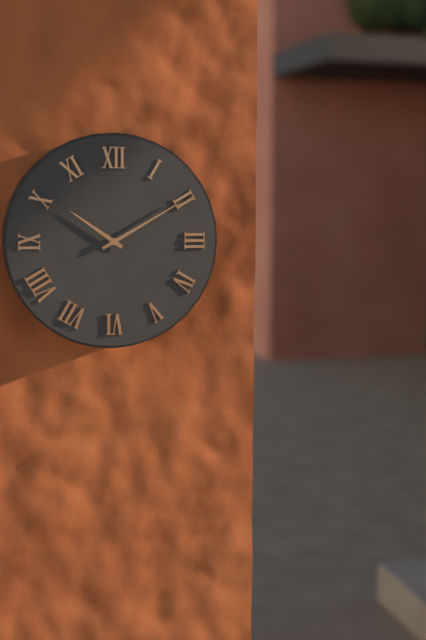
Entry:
h=10 m=10
